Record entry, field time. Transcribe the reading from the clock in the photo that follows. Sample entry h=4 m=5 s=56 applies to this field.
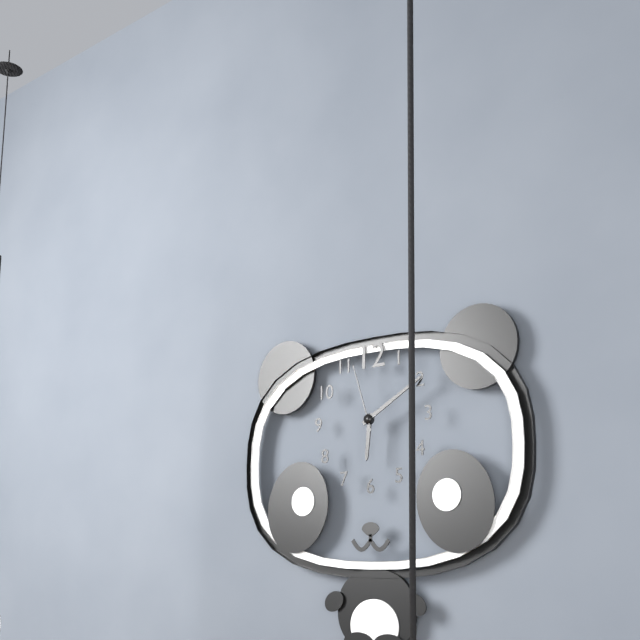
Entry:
h=6 m=10 s=57
